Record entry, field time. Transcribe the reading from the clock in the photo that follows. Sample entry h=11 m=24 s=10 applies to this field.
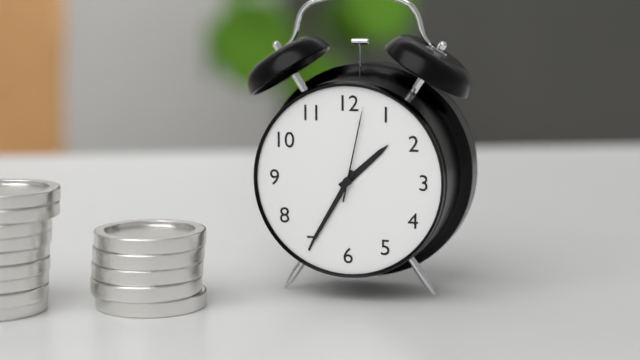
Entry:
h=1 m=35 s=2
